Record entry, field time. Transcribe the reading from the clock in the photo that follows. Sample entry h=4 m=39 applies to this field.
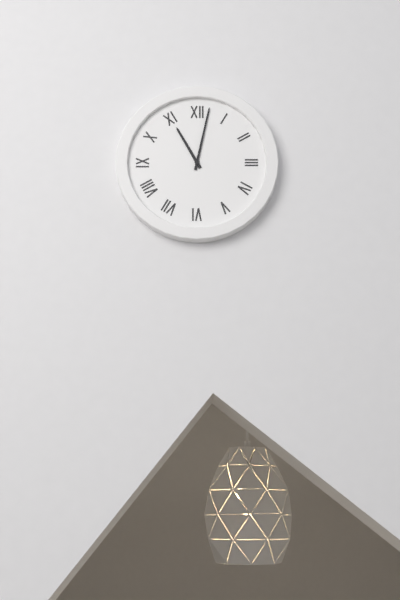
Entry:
h=11 m=2
